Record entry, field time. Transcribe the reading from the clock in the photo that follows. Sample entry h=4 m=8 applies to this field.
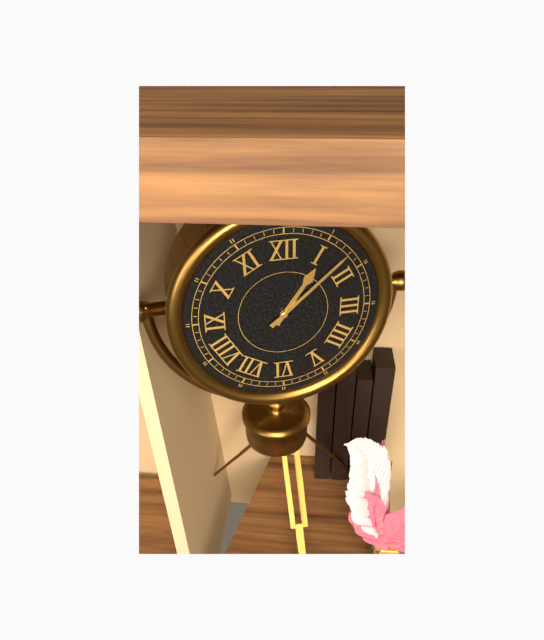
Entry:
h=1 m=8
